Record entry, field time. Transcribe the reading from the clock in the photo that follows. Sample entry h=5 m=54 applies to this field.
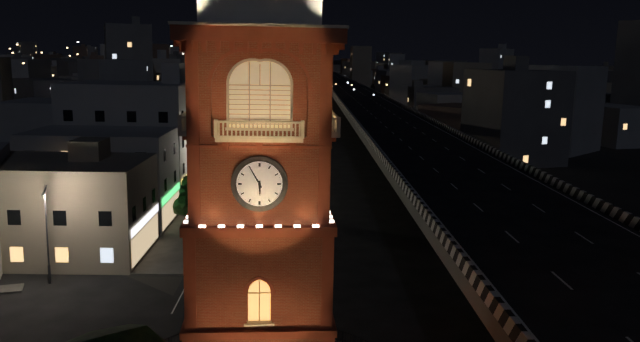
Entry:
h=5 m=55
